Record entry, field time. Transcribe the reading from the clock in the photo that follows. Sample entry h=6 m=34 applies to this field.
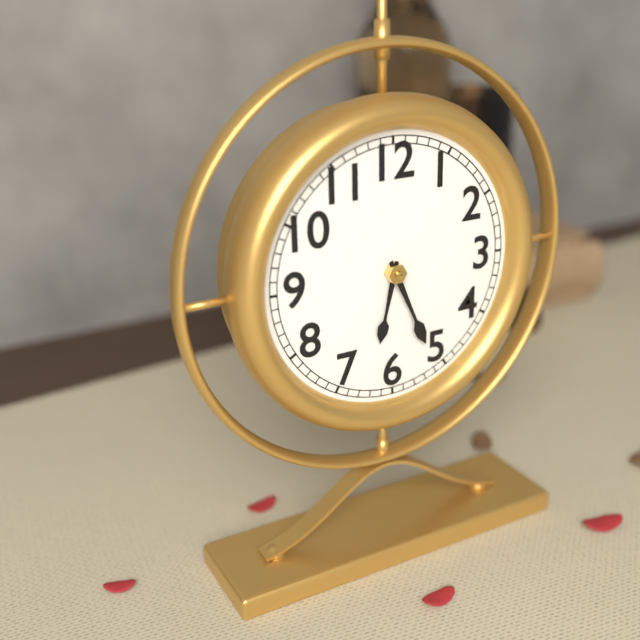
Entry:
h=6 m=26
